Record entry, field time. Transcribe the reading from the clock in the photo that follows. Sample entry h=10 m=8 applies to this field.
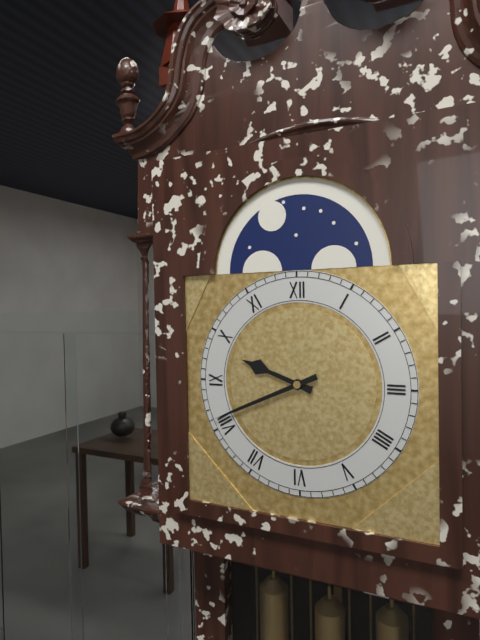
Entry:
h=9 m=41
